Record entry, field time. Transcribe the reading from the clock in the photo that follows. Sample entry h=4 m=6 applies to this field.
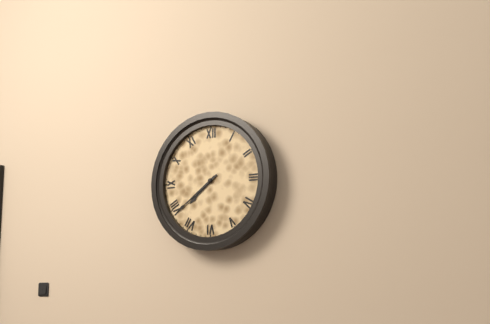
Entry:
h=7 m=39
